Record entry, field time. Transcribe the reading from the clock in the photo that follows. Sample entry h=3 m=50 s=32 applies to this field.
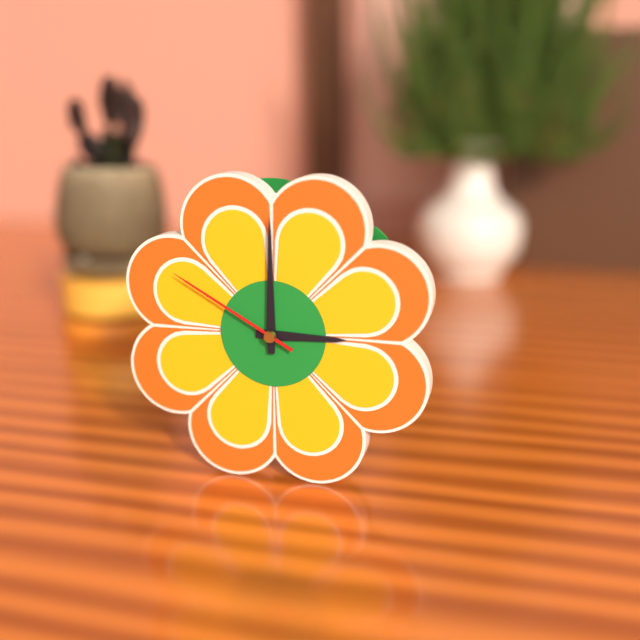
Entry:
h=3 m=0 s=50
